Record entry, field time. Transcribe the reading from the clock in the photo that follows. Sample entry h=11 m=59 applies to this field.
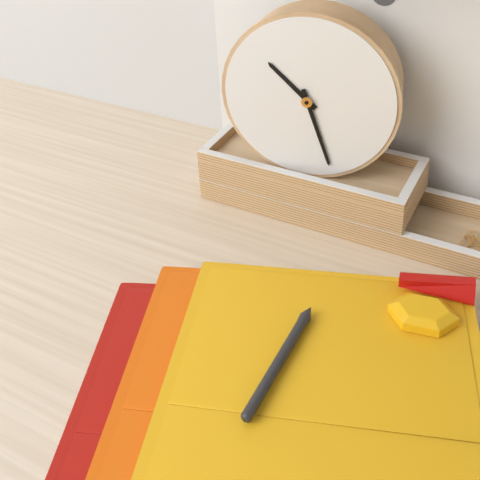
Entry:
h=10 m=27
